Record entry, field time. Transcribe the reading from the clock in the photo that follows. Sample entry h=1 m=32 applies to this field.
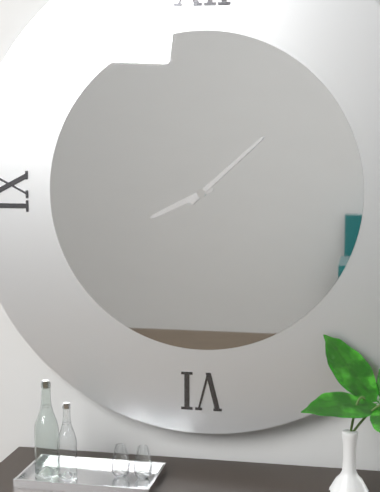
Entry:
h=8 m=8
